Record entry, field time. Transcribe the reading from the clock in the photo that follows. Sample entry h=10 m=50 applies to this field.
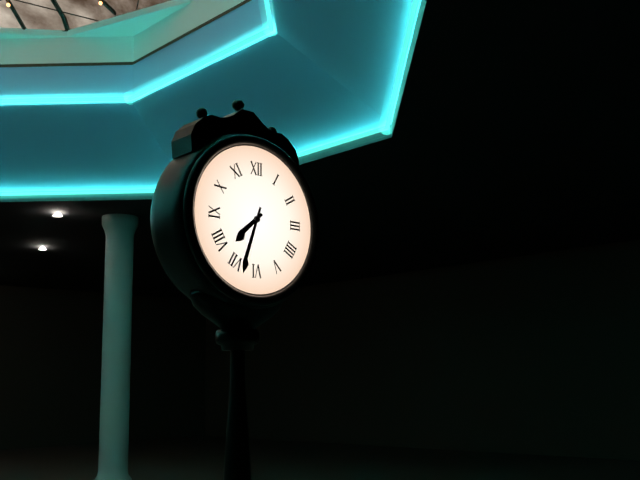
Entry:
h=7 m=33
